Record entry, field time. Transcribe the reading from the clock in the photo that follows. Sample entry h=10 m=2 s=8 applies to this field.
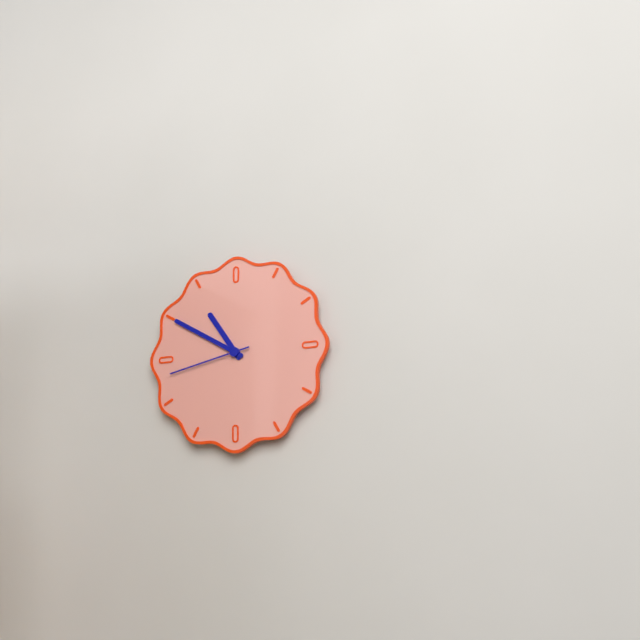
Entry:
h=10 m=50 s=43
